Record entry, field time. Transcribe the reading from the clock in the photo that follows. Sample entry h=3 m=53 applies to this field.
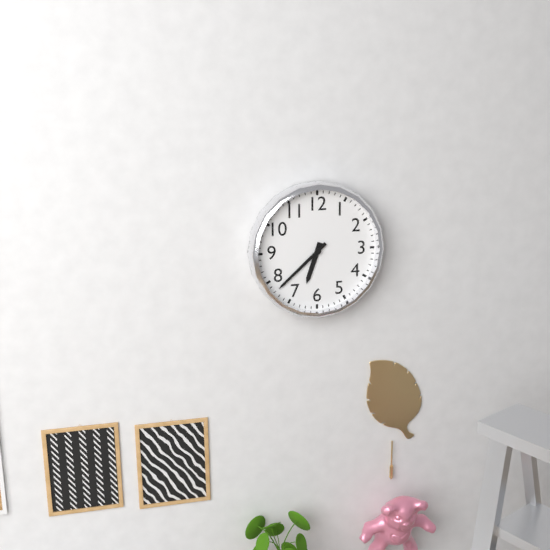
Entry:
h=6 m=38
